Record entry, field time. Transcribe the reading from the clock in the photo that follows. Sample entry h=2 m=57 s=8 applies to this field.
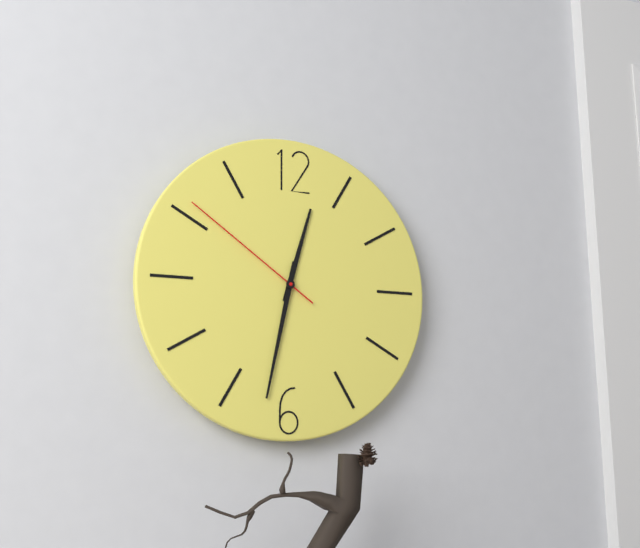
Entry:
h=12 m=32 s=51
